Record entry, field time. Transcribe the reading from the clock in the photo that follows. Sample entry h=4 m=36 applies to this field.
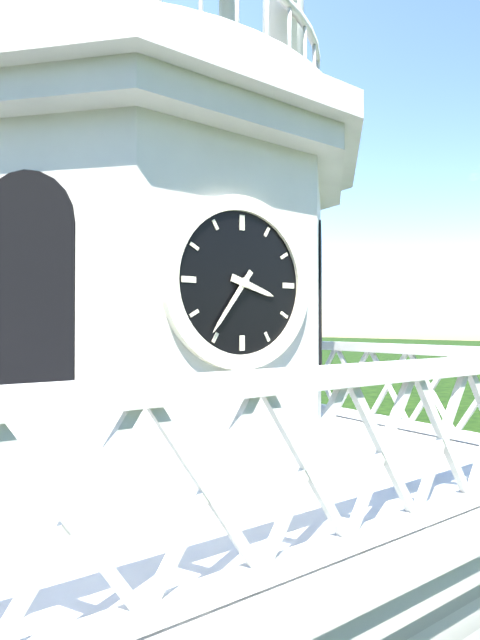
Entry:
h=3 m=36
